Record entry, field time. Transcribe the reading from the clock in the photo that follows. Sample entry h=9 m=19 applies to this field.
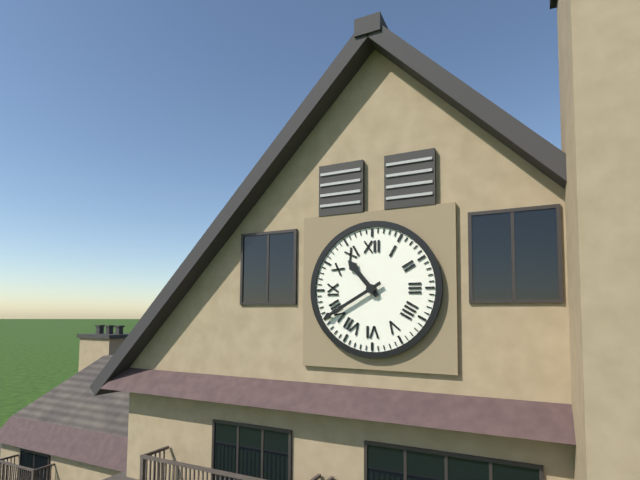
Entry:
h=10 m=40
